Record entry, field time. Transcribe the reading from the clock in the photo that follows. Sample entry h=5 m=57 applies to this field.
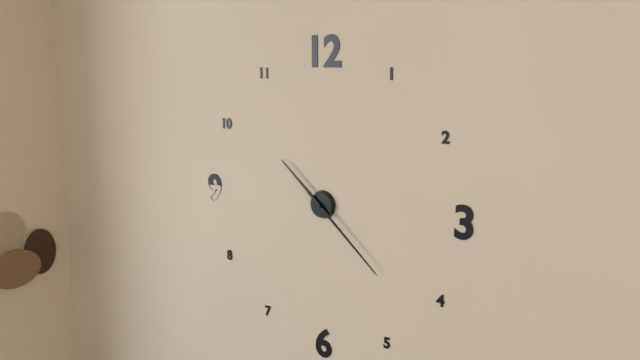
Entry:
h=10 m=22
